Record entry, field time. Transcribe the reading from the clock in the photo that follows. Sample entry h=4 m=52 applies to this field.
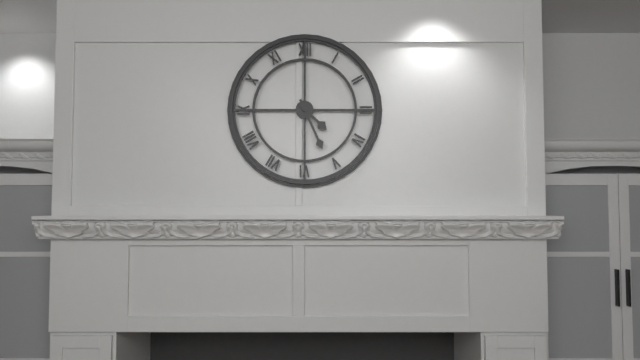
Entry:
h=4 m=26
